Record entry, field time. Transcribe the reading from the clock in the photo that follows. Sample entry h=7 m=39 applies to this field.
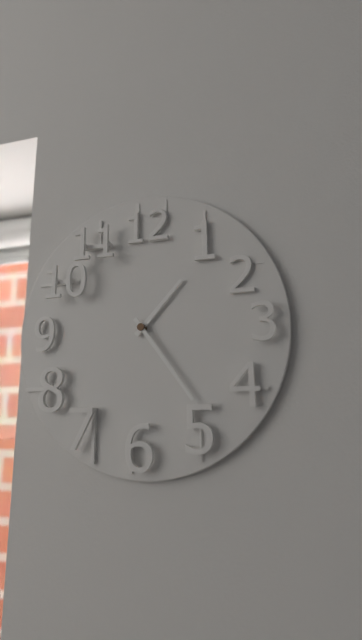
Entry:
h=1 m=24
